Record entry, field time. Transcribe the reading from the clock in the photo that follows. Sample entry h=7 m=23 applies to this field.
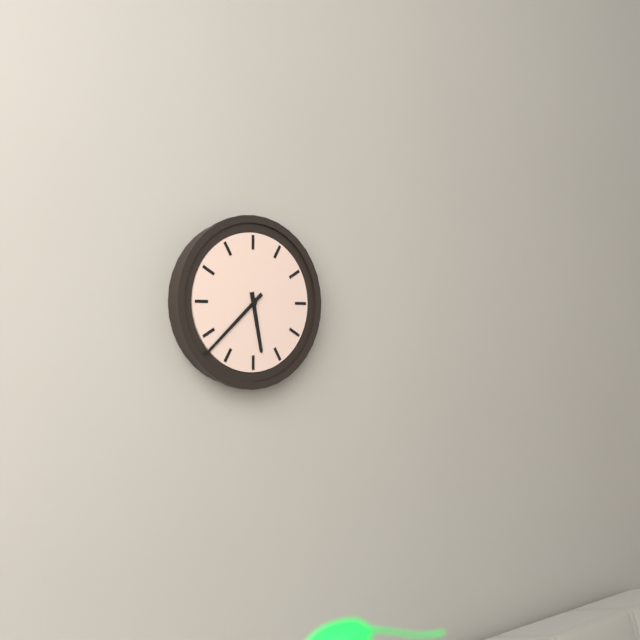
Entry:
h=5 m=38
